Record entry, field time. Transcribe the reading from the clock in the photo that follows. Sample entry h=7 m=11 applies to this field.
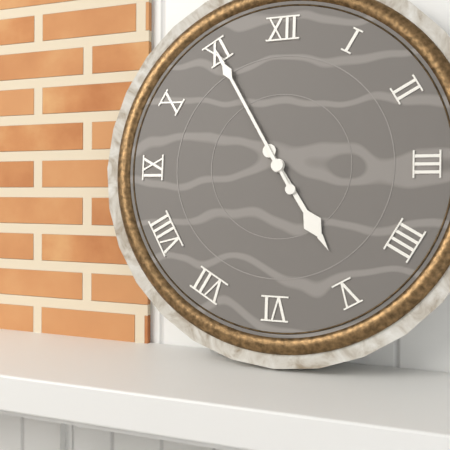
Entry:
h=4 m=55
